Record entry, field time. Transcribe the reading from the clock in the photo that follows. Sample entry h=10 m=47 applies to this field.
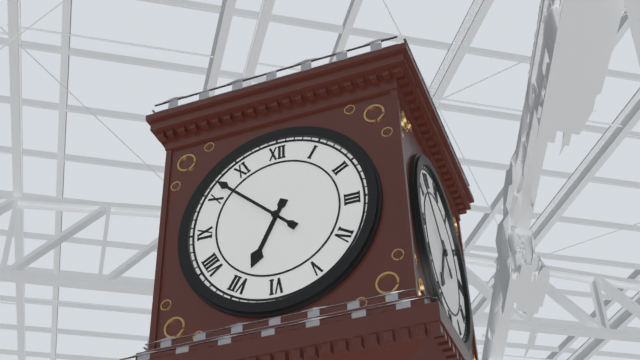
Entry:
h=6 m=52
